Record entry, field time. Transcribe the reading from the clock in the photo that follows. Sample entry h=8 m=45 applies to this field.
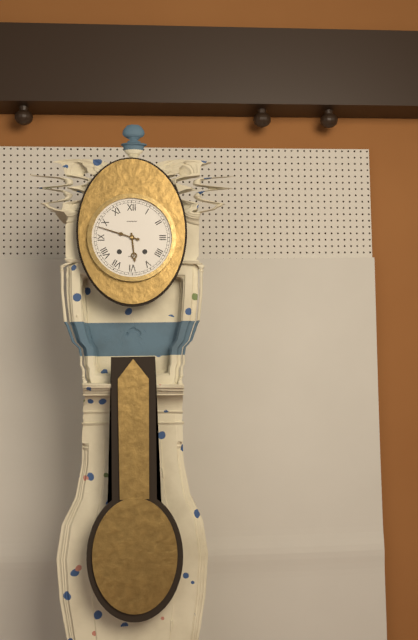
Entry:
h=5 m=48
